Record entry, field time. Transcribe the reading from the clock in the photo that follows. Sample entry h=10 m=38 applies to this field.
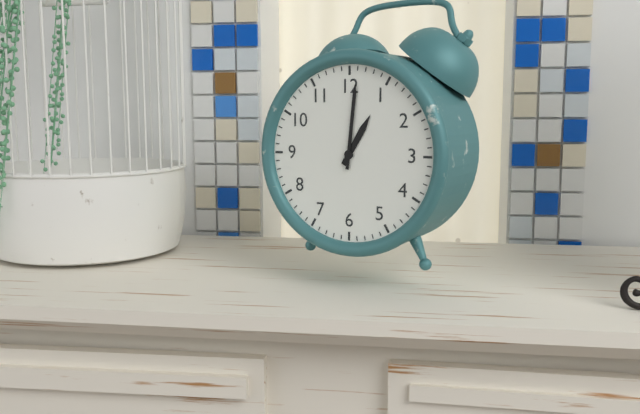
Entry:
h=1 m=1
